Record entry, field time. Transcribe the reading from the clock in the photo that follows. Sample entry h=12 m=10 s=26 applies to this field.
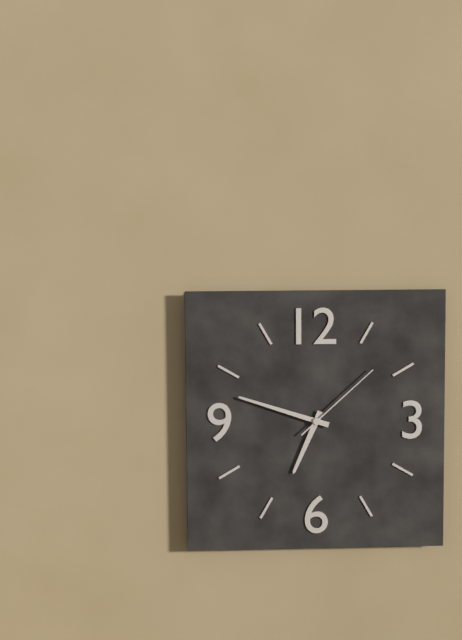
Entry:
h=6 m=48 s=8
